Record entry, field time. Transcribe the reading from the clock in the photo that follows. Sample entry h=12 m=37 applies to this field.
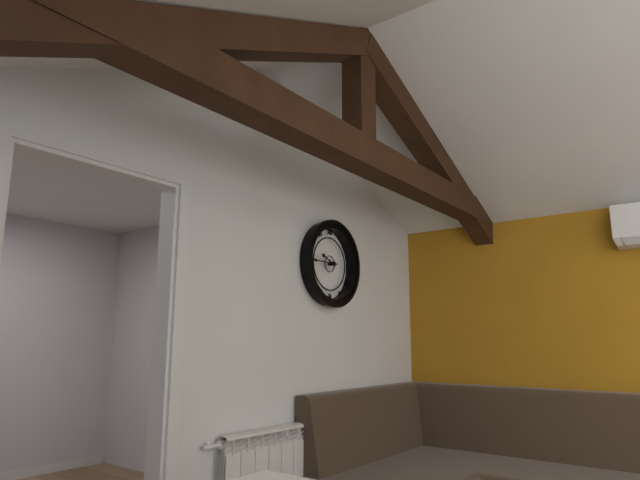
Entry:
h=9 m=45
